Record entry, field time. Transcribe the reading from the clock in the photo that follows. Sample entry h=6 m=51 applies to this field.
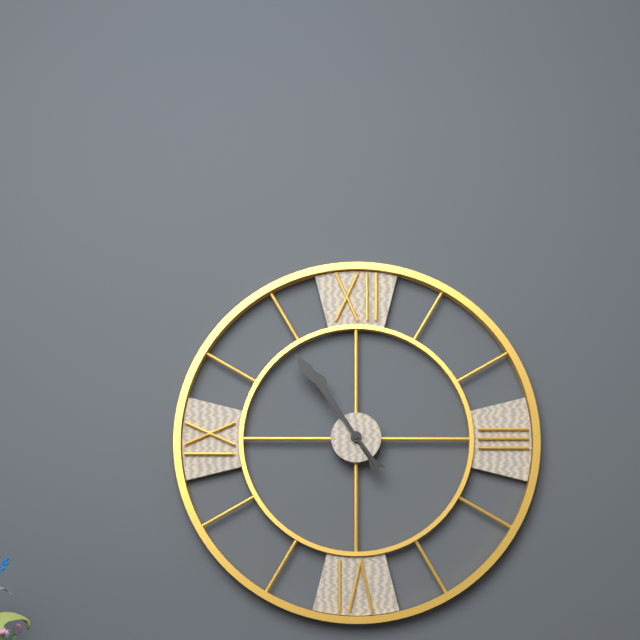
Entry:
h=10 m=54
